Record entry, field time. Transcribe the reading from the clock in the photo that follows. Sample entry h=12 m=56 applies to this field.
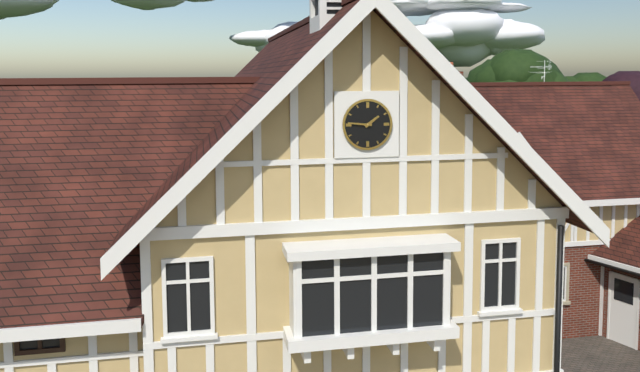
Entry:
h=1 m=46
